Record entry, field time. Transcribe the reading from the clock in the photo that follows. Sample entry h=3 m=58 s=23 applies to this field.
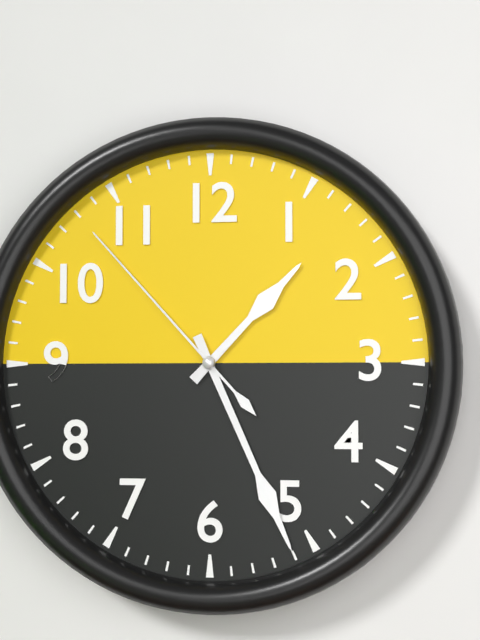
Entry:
h=1 m=26 s=53
